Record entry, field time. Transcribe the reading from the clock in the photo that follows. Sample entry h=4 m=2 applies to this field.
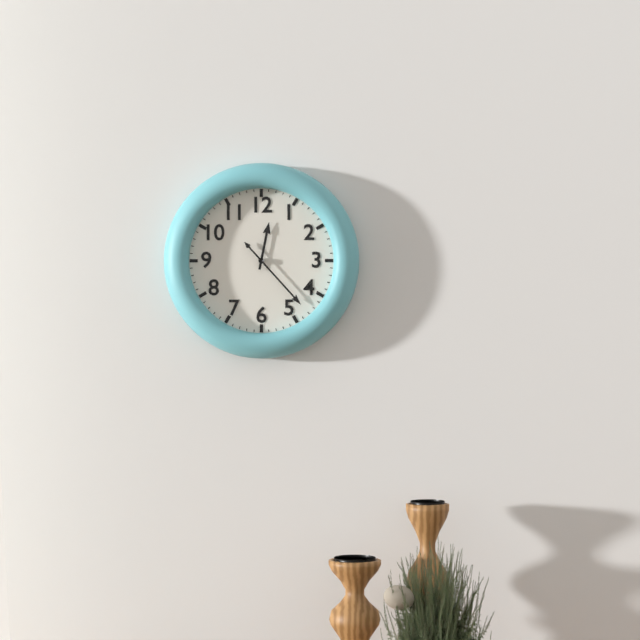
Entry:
h=12 m=23
